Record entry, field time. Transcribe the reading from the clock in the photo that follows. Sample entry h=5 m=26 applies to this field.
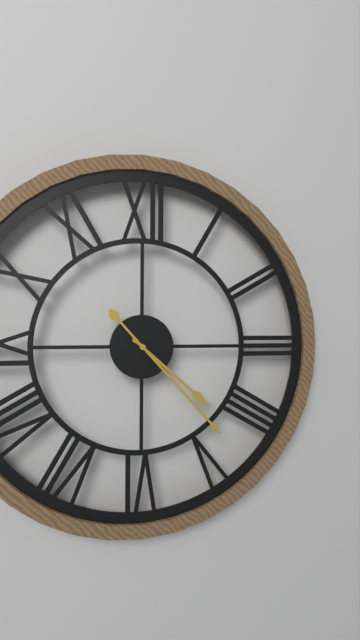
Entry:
h=4 m=23
